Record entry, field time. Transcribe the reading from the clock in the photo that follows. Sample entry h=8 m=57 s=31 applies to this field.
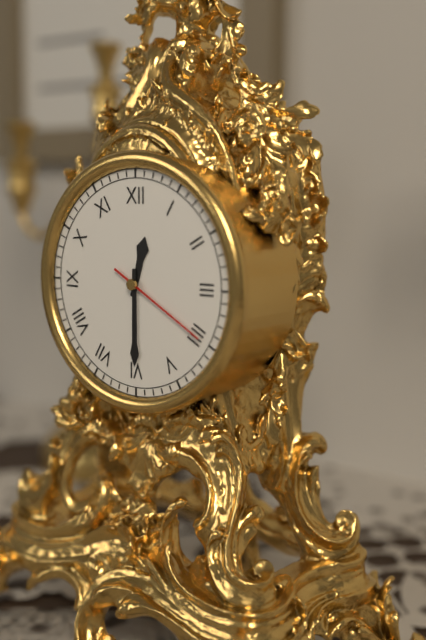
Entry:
h=12 m=30 s=20
